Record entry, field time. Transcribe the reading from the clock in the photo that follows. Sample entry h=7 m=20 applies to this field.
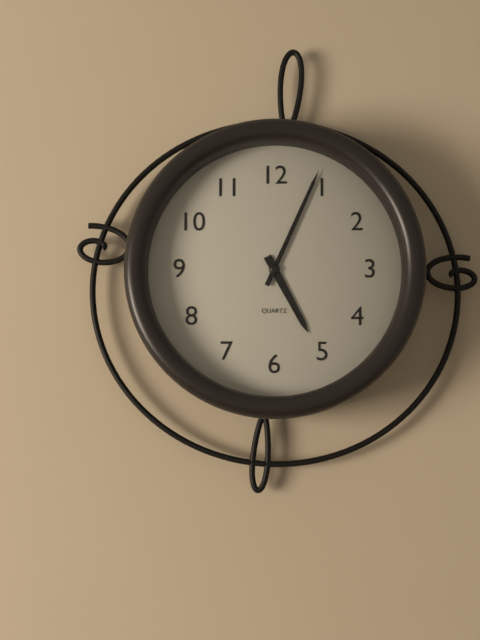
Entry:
h=5 m=4
